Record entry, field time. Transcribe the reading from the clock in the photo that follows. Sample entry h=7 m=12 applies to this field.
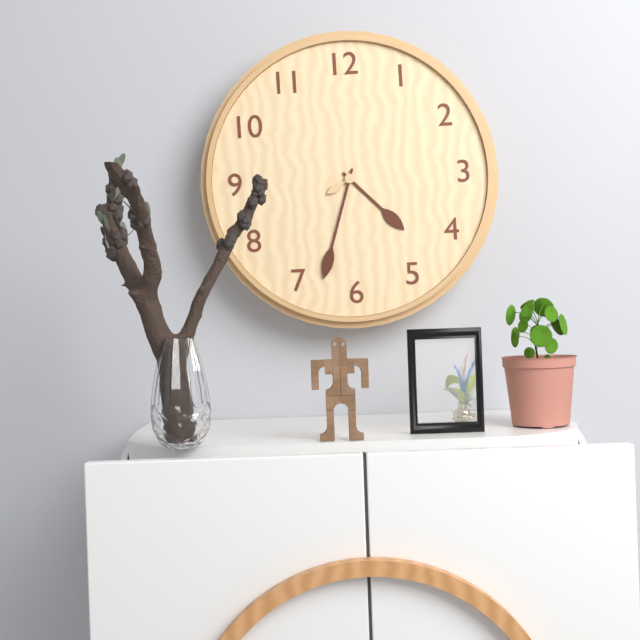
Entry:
h=4 m=33
